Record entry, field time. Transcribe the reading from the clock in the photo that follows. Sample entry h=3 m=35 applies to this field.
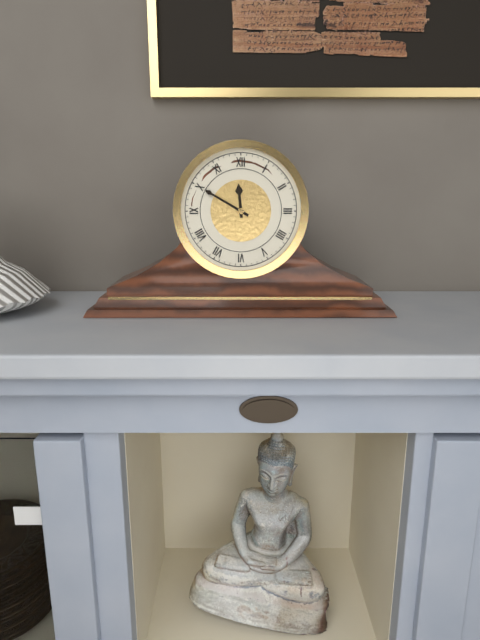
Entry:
h=11 m=50
